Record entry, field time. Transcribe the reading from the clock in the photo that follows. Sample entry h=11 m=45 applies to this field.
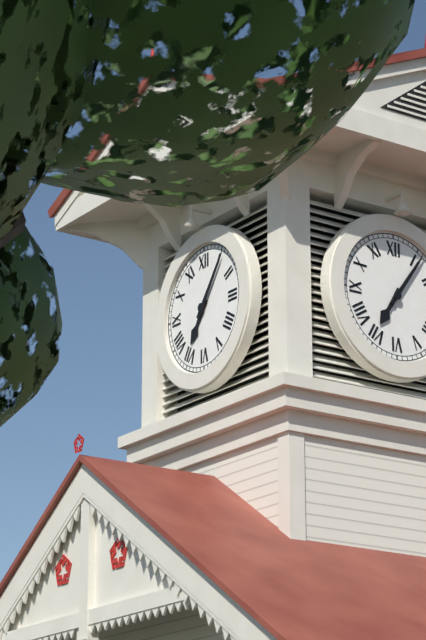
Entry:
h=7 m=6
